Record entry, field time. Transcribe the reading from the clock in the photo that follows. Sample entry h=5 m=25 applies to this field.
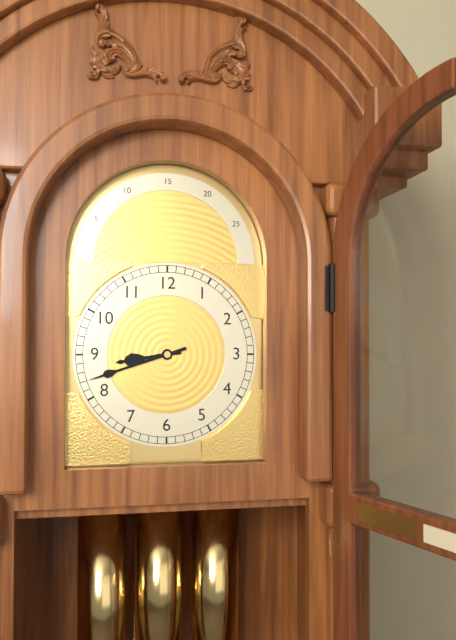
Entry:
h=8 m=42
